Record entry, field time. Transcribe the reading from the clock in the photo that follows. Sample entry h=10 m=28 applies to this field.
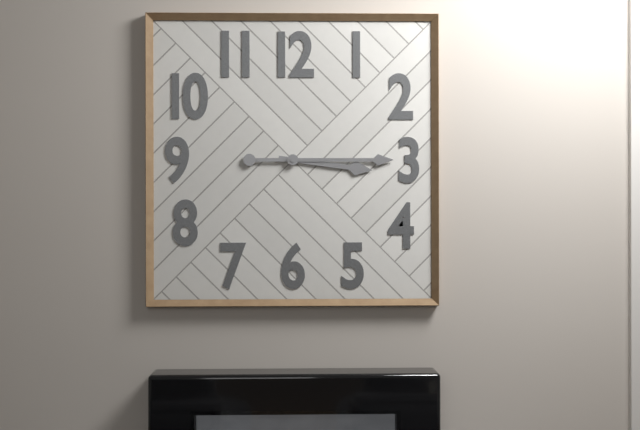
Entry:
h=3 m=15
